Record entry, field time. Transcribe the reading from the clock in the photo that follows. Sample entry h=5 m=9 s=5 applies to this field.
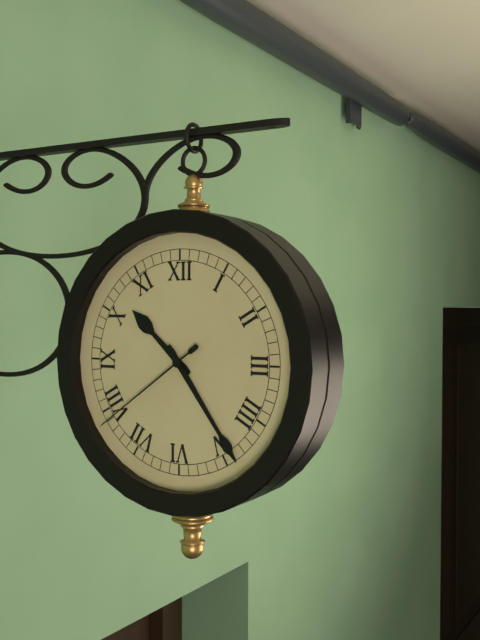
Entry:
h=10 m=24 s=39
